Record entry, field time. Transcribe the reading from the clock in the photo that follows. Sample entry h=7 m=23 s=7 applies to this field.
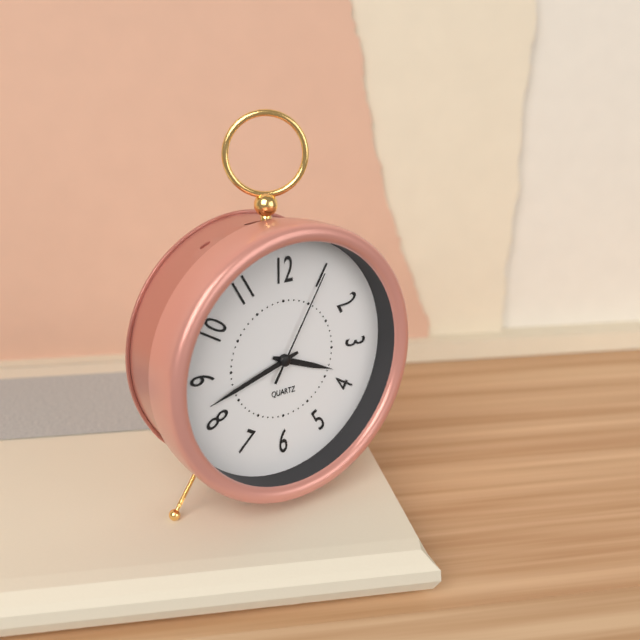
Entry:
h=3 m=42 s=5
